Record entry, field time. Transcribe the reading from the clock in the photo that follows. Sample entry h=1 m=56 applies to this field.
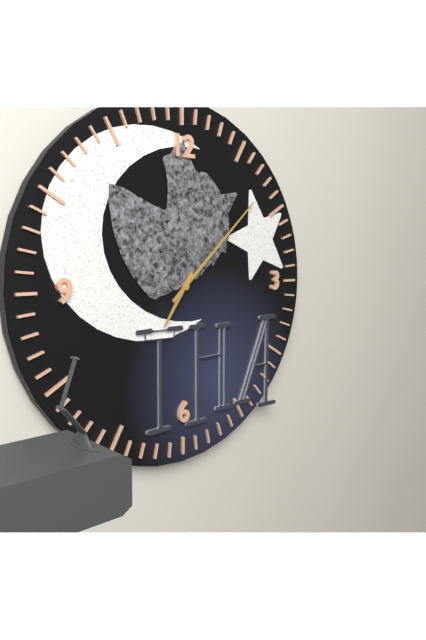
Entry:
h=7 m=8
